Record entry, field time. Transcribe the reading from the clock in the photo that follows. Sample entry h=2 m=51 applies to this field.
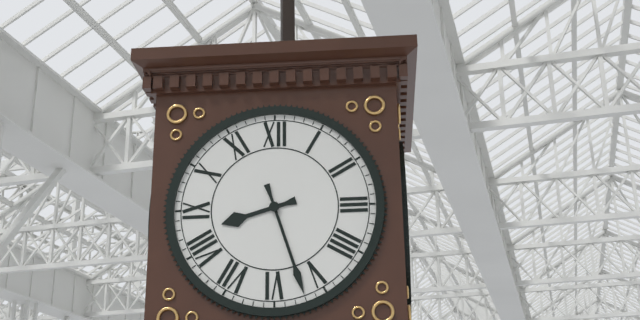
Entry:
h=8 m=27
